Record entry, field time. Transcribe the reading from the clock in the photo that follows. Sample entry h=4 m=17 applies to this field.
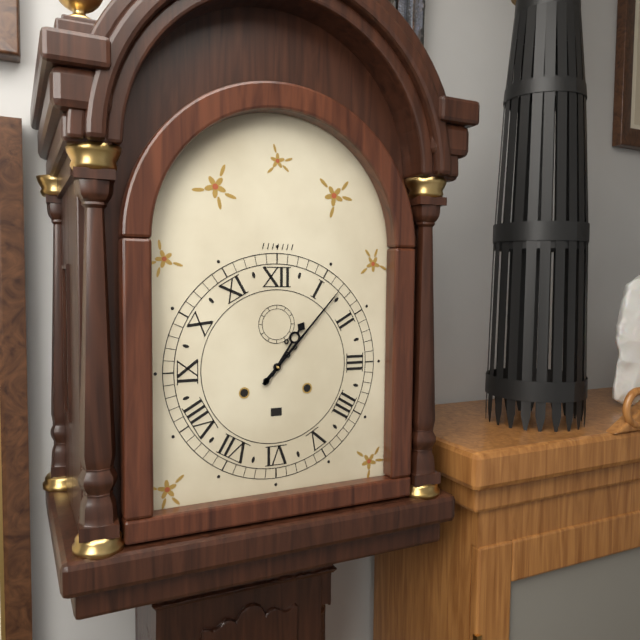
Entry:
h=1 m=7
